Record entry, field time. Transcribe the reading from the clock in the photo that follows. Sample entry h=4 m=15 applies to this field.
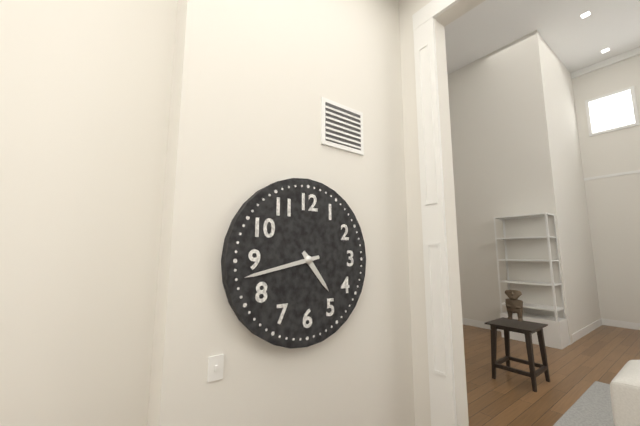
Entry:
h=4 m=43
